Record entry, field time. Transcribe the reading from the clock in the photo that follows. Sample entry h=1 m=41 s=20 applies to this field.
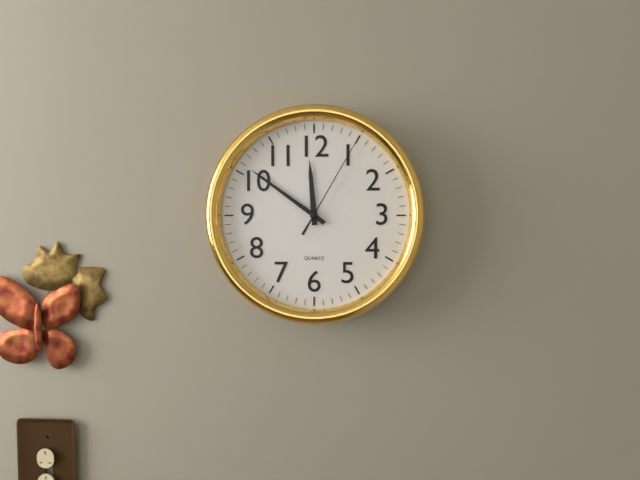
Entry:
h=11 m=51 s=5
